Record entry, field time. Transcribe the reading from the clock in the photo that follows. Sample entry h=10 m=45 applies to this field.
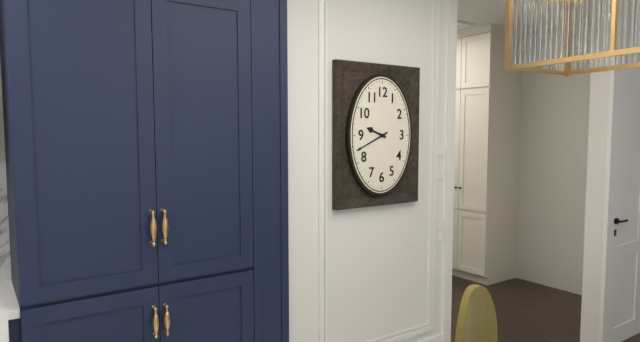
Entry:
h=9 m=41
